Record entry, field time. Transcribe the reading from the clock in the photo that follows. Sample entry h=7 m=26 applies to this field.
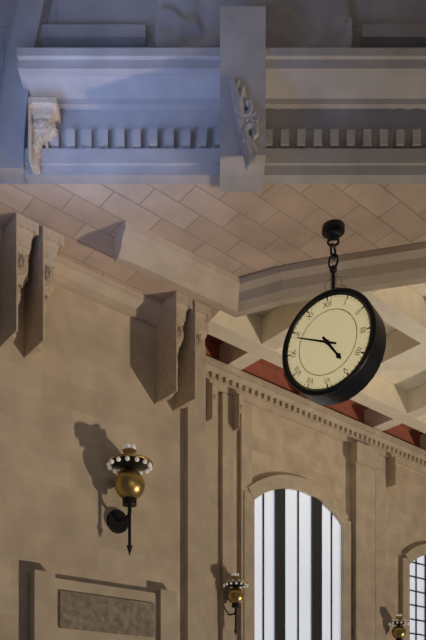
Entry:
h=4 m=49
